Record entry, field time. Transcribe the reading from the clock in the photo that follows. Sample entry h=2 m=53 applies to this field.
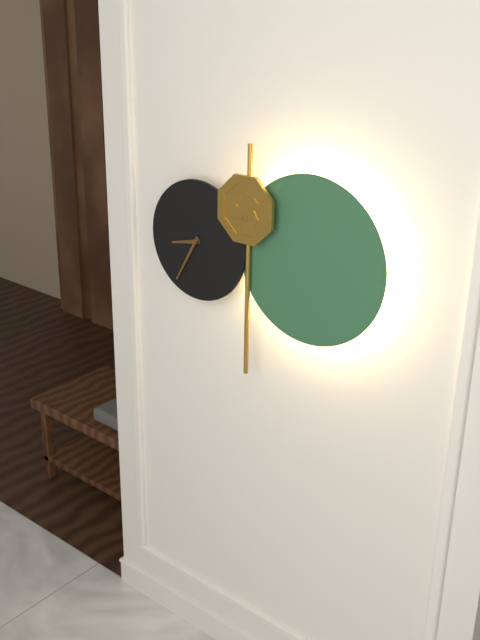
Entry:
h=8 m=35
